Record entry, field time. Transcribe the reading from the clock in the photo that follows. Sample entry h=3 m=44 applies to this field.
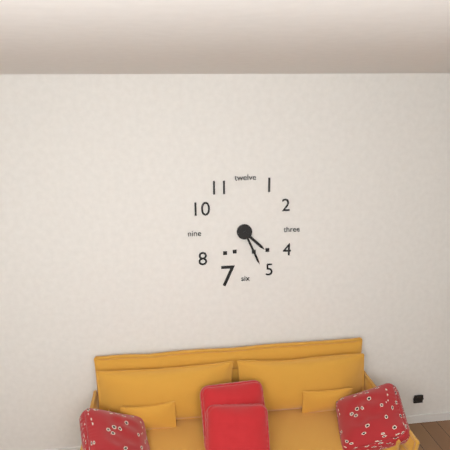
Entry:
h=4 m=26
